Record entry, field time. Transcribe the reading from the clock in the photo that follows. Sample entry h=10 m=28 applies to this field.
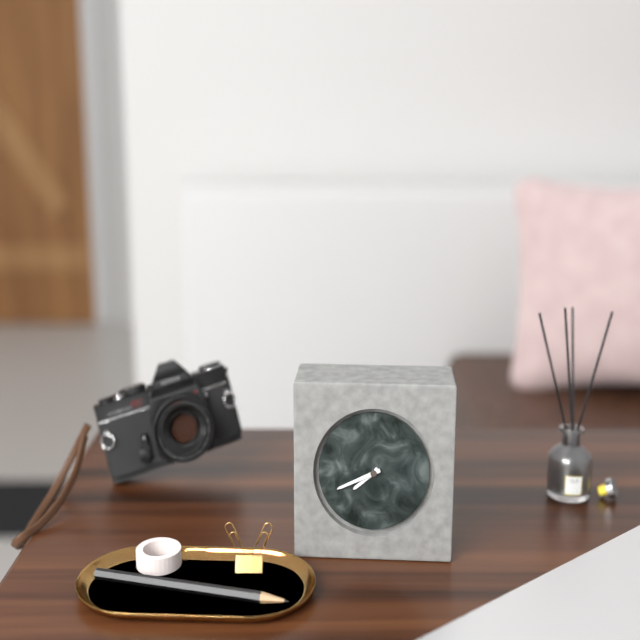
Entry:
h=7 m=41
